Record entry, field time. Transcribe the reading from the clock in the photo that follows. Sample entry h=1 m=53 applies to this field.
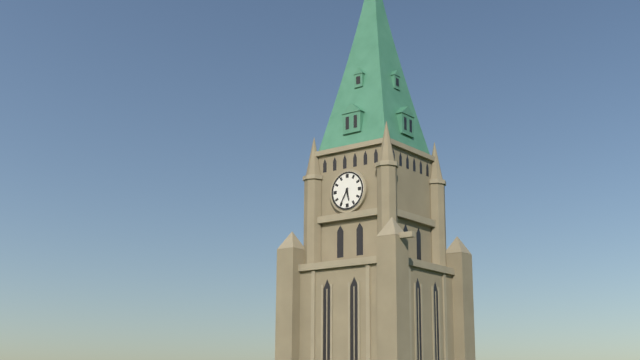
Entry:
h=5 m=35
